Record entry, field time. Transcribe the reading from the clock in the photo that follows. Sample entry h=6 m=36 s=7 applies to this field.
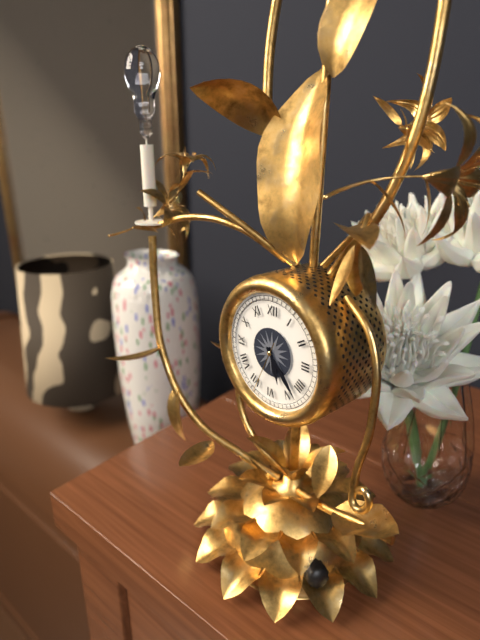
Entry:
h=5 m=23 s=34
